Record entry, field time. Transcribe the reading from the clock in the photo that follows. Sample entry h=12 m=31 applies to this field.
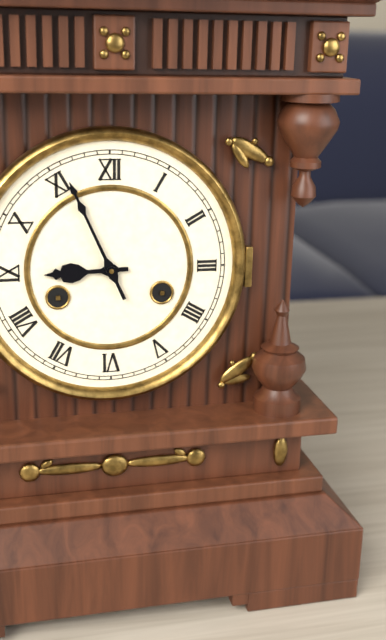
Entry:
h=8 m=56
